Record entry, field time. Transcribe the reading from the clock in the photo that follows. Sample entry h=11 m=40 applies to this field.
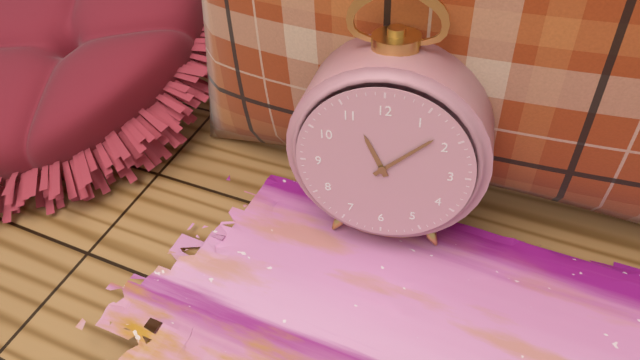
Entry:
h=11 m=8
